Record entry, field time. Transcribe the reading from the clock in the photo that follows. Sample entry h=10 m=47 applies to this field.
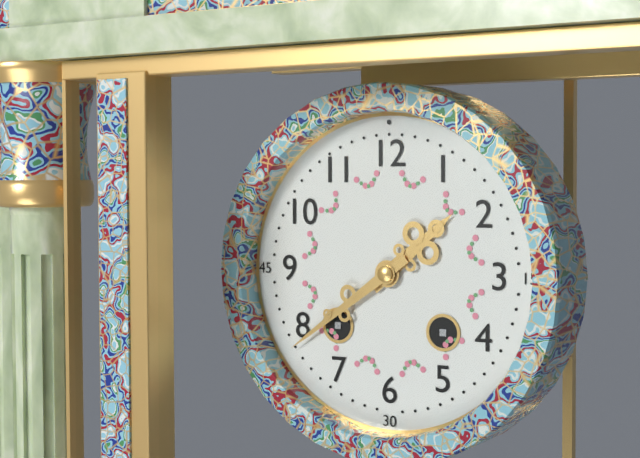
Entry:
h=1 m=39
